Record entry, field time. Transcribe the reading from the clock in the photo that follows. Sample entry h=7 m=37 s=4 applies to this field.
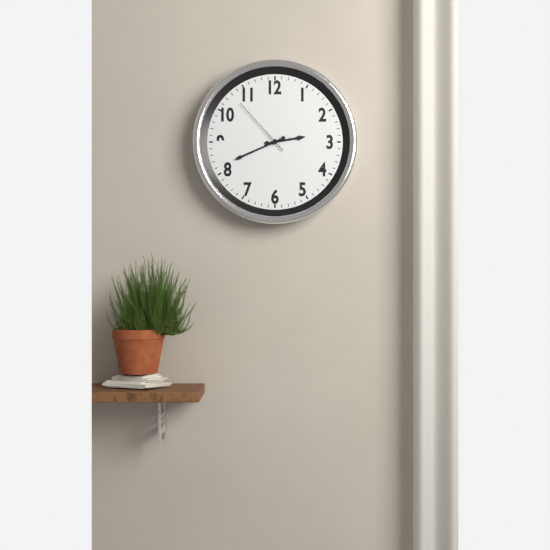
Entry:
h=2 m=41 s=53
